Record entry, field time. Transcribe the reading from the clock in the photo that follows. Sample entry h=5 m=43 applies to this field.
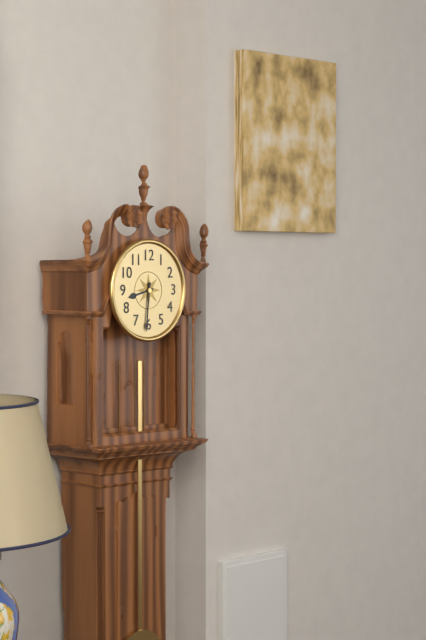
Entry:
h=8 m=31
